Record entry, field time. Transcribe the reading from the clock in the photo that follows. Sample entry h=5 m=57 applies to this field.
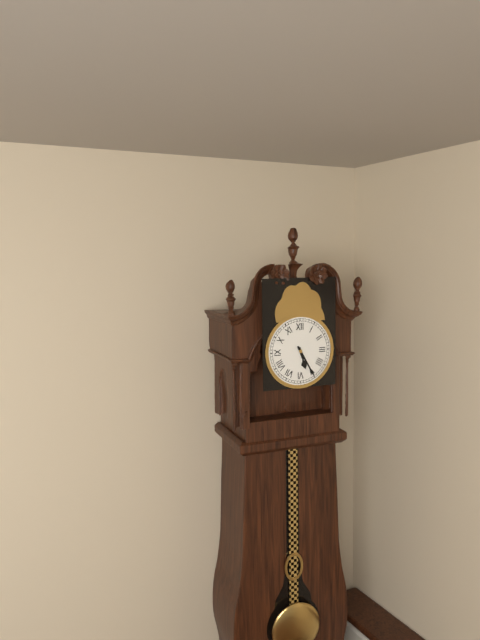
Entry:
h=5 m=25
